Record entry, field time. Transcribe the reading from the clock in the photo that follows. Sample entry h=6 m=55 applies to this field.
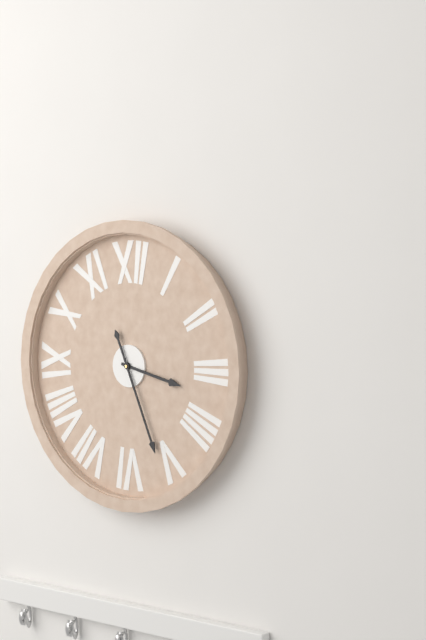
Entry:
h=3 m=26
